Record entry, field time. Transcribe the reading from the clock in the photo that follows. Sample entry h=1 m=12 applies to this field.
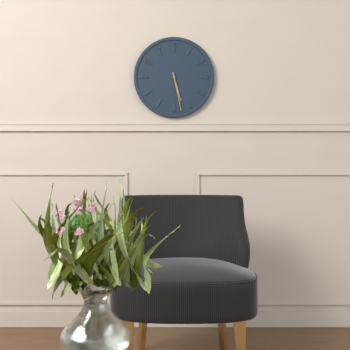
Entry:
h=5 m=28
